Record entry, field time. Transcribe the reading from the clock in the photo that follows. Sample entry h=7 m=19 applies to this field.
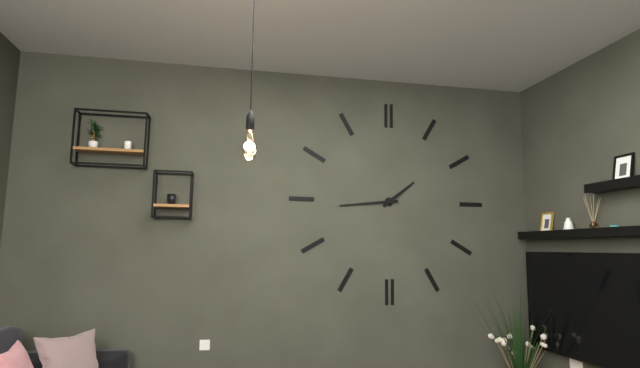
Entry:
h=1 m=44
